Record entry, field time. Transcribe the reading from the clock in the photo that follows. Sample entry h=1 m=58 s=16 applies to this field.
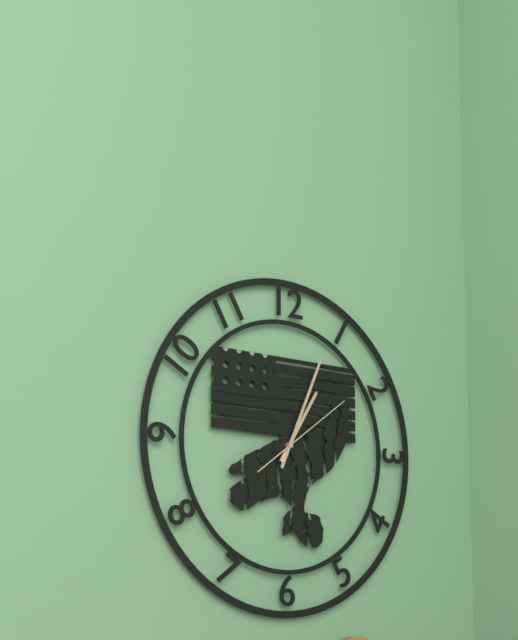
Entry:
h=1 m=4 s=9
